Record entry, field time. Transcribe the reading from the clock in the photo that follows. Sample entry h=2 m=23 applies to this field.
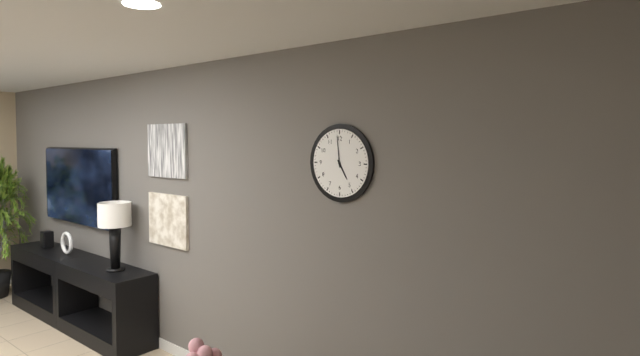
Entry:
h=4 m=59
